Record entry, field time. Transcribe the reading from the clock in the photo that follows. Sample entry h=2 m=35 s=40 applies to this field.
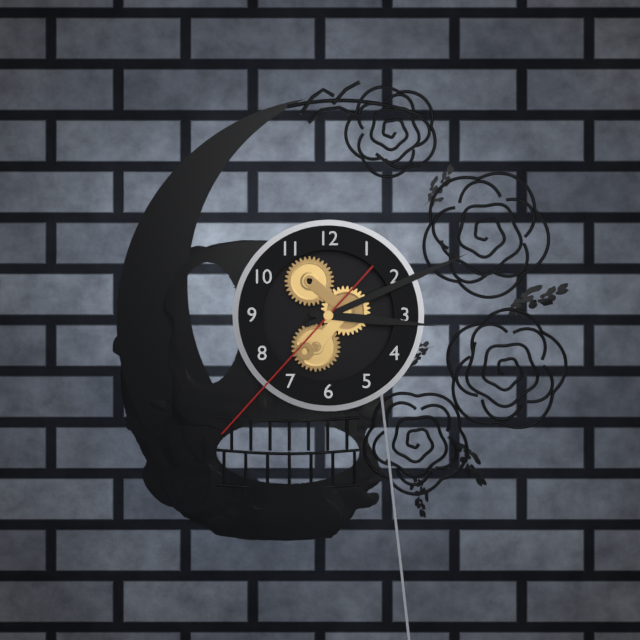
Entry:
h=3 m=11 s=37
